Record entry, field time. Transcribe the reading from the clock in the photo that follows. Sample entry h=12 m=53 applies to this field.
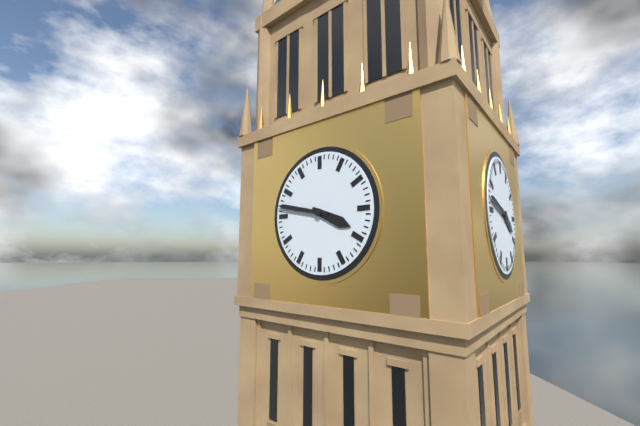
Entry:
h=3 m=47
